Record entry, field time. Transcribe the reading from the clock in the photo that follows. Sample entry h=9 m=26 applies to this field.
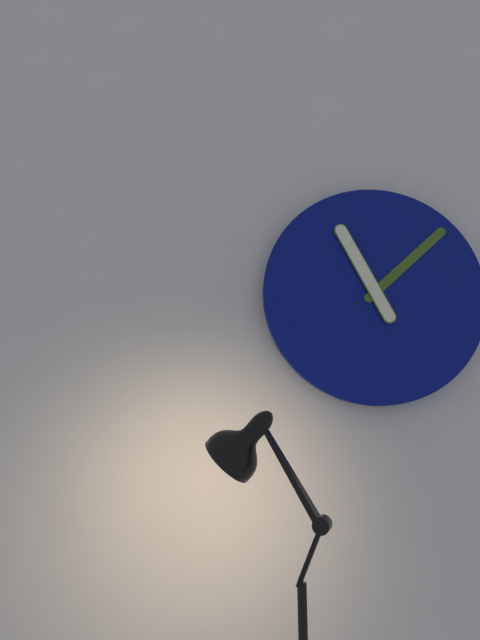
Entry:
h=11 m=8
